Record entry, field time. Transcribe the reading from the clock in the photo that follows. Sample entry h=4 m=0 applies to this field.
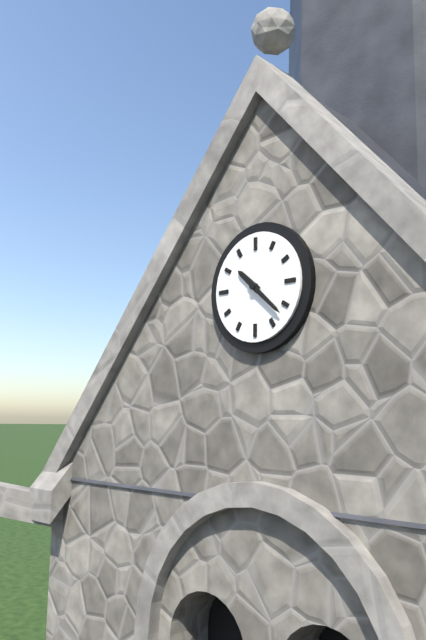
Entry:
h=10 m=22
